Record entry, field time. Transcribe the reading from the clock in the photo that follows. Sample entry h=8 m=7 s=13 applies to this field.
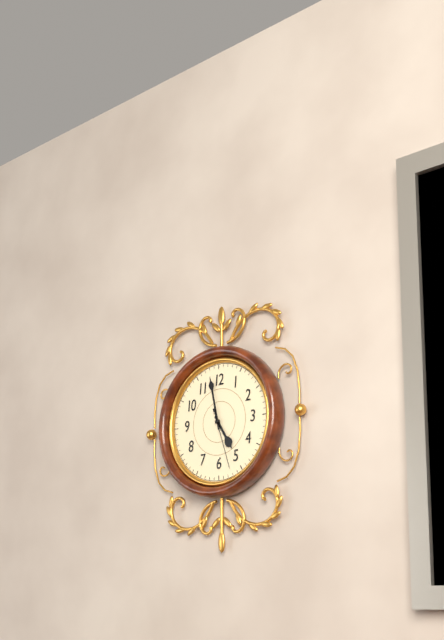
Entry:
h=4 m=58 s=27
